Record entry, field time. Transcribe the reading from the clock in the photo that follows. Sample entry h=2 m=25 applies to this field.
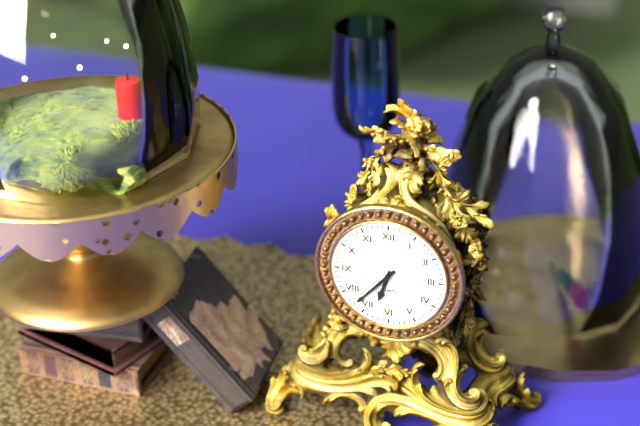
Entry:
h=6 m=37
